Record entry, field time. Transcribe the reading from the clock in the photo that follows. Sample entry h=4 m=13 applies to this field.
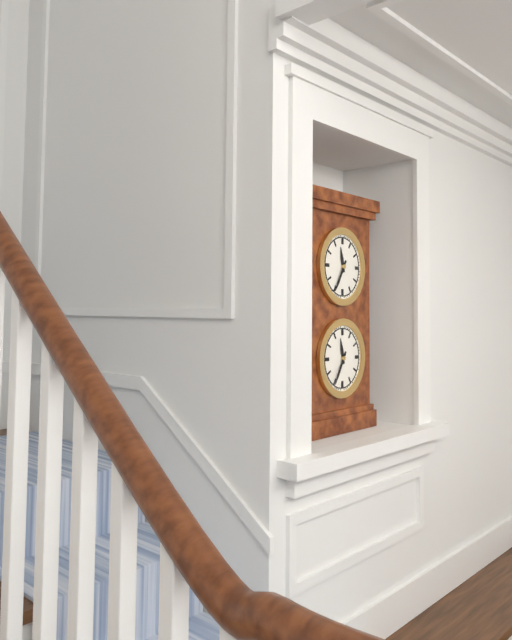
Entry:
h=11 m=35
